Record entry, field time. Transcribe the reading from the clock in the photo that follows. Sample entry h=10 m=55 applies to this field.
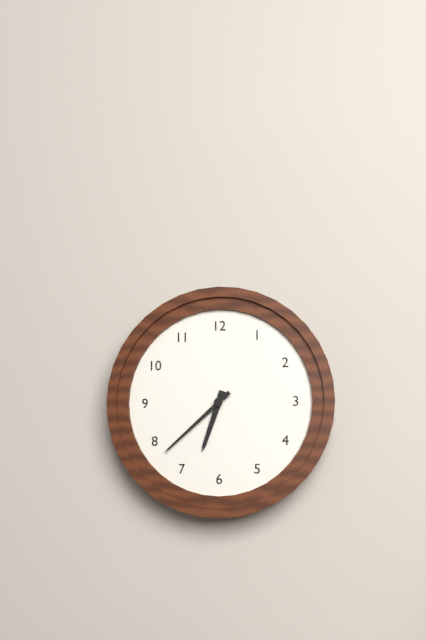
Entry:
h=6 m=38
